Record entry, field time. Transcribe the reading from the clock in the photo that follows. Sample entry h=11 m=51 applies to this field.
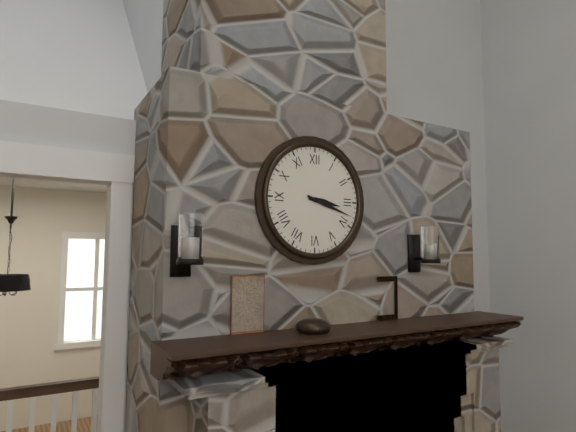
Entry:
h=3 m=18
